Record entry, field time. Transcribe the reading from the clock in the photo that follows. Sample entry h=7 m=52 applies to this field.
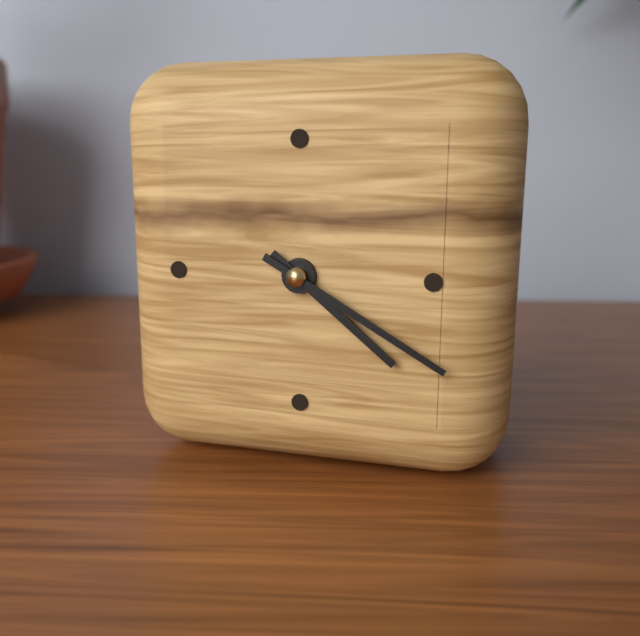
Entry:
h=4 m=20
